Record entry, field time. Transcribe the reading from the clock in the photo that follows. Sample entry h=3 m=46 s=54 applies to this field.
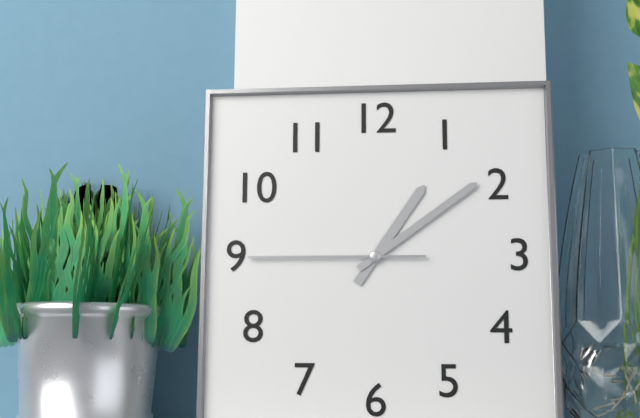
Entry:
h=1 m=9 s=45
